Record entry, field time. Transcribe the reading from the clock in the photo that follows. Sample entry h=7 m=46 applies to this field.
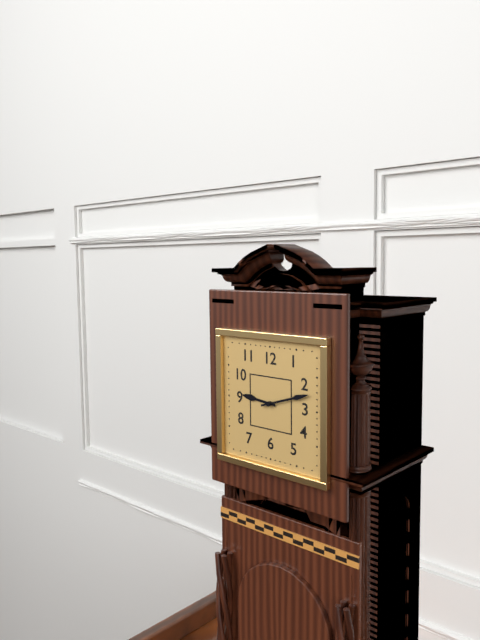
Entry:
h=9 m=12
